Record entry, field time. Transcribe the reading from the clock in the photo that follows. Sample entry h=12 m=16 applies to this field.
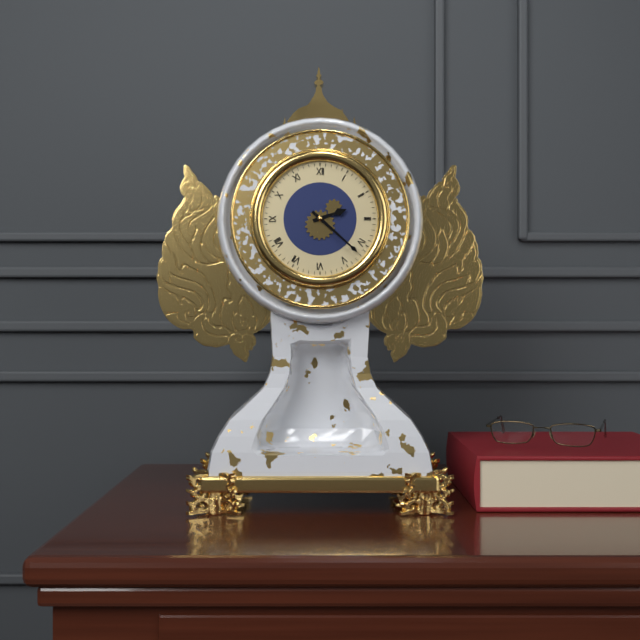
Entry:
h=2 m=22
